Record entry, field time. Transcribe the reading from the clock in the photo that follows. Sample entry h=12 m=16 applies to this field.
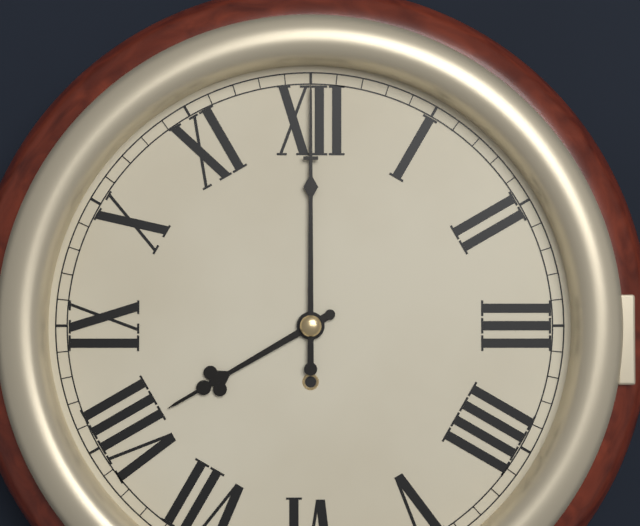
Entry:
h=8 m=0
